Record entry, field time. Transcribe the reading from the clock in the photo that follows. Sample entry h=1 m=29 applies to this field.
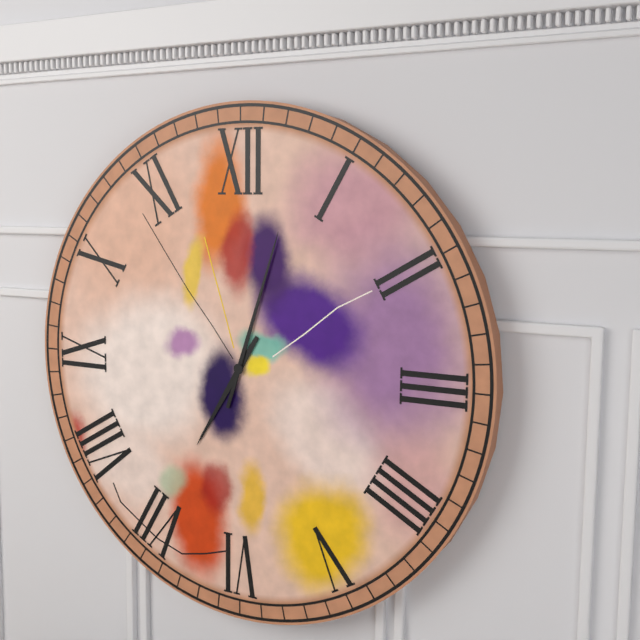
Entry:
h=7 m=3
